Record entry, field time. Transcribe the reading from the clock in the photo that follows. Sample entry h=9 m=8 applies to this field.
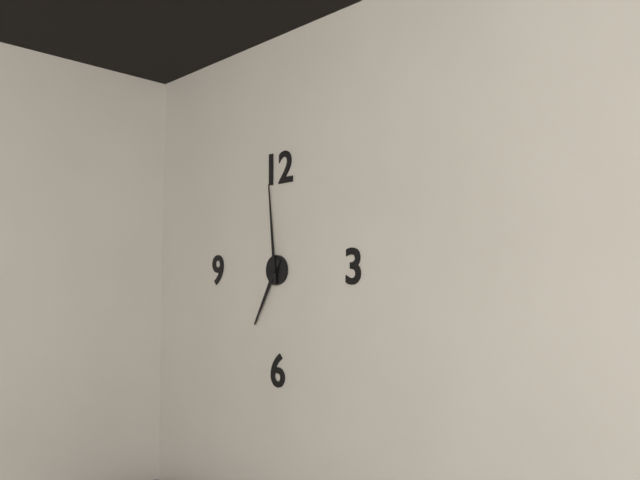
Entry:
h=6 m=59
